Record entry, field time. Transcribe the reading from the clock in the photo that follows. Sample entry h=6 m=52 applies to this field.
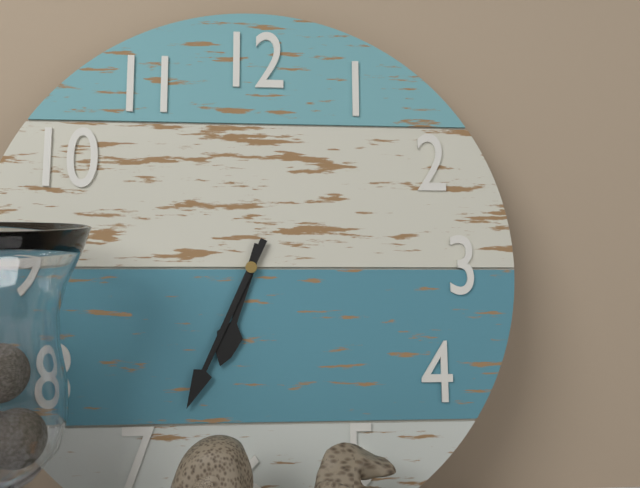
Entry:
h=6 m=34
